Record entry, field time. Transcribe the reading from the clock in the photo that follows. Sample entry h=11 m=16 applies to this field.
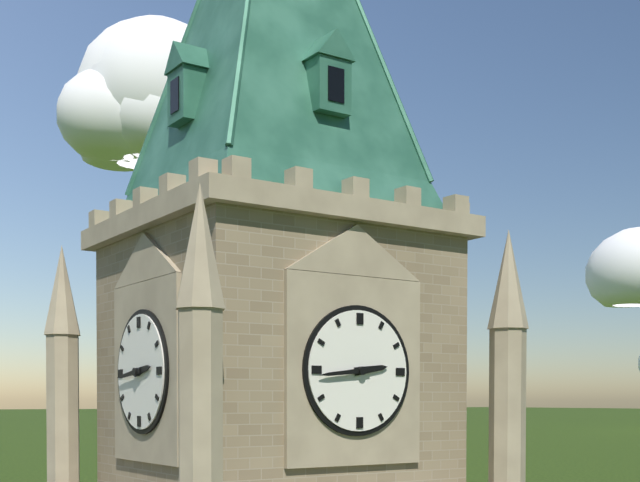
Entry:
h=2 m=44
